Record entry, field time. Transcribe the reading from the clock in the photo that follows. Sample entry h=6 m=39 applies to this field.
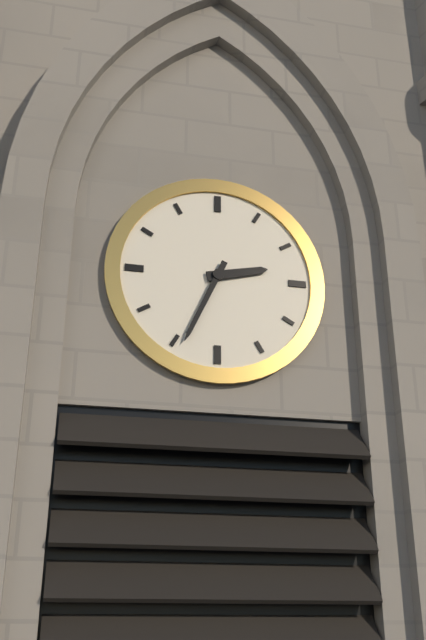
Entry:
h=2 m=34
